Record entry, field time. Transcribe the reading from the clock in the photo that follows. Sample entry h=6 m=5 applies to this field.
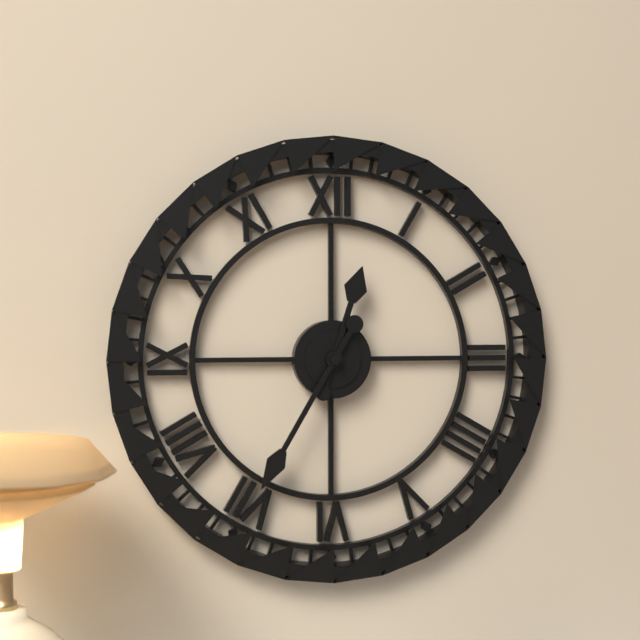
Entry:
h=12 m=35
